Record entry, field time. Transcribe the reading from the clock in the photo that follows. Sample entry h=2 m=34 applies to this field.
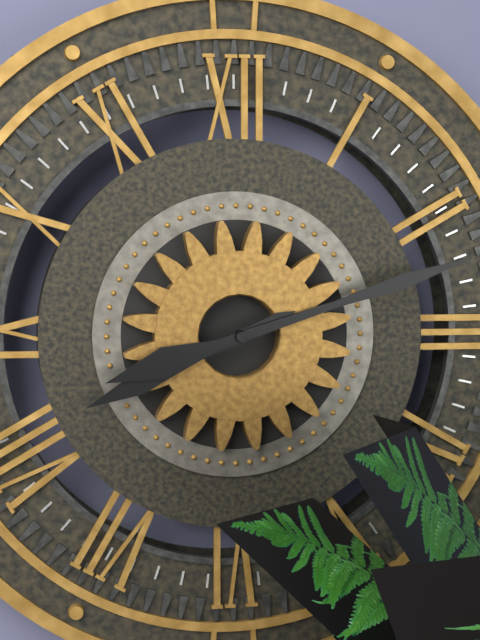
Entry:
h=8 m=12
